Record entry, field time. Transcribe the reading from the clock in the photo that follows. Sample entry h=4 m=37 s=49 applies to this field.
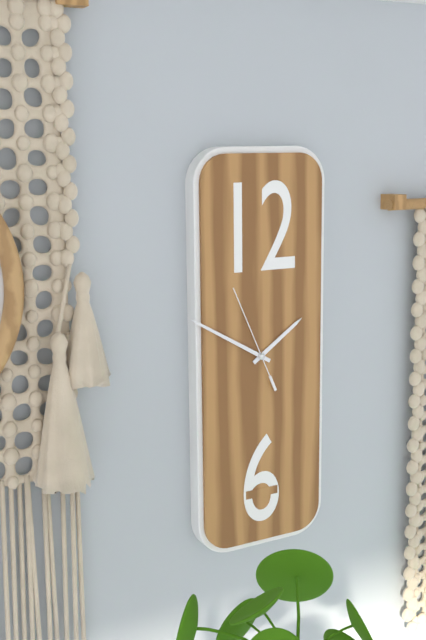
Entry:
h=1 m=50 s=56
